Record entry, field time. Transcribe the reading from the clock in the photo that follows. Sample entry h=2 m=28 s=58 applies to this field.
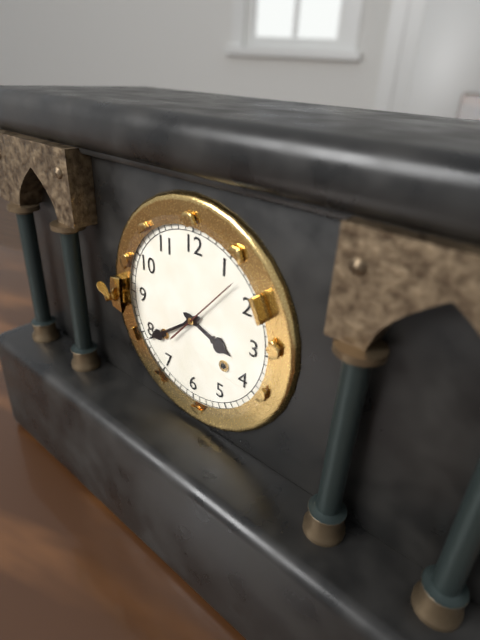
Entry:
h=3 m=39 s=7
